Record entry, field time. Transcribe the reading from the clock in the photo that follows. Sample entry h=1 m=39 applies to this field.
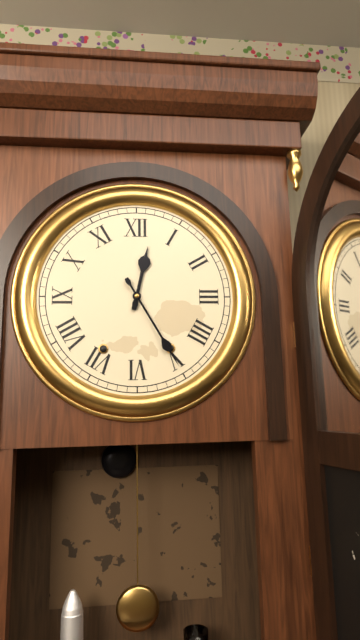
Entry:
h=12 m=25
